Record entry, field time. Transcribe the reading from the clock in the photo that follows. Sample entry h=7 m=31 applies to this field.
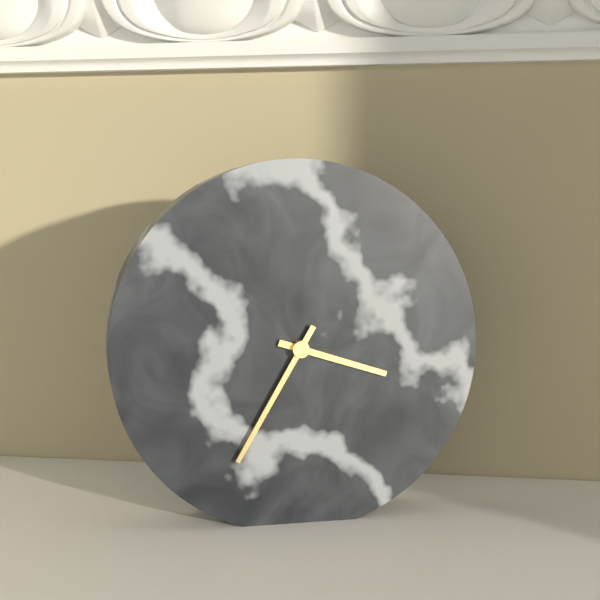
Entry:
h=3 m=35
